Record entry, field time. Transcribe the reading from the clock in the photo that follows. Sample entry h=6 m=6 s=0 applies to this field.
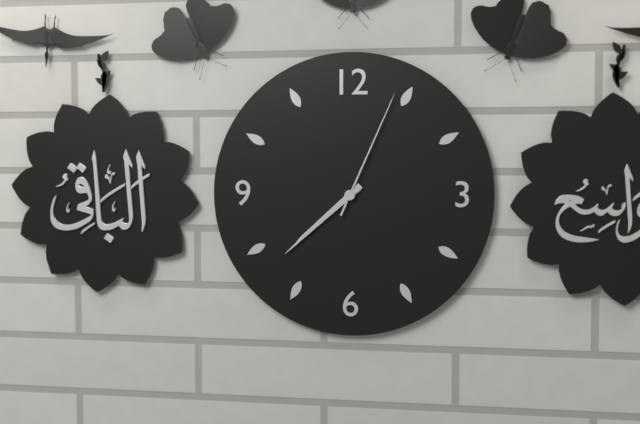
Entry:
h=7 m=38 s=4
